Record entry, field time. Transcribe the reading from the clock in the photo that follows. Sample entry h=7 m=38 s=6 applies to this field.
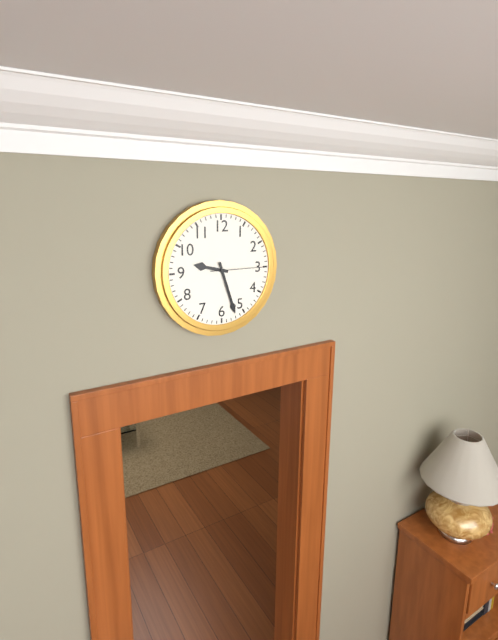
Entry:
h=9 m=27 s=15
